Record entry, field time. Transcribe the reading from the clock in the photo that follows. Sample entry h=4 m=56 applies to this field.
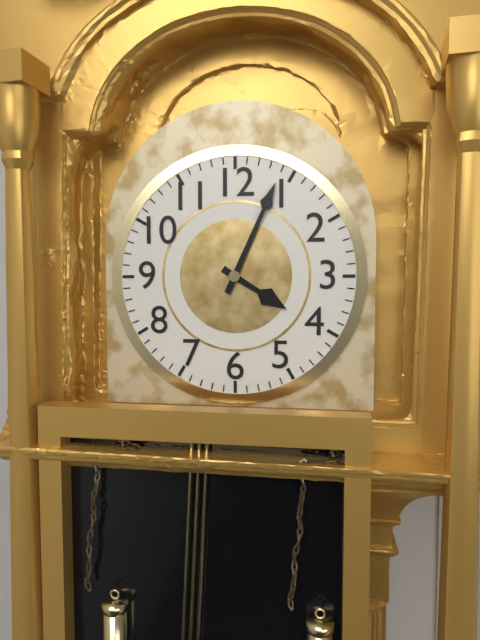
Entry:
h=4 m=4
